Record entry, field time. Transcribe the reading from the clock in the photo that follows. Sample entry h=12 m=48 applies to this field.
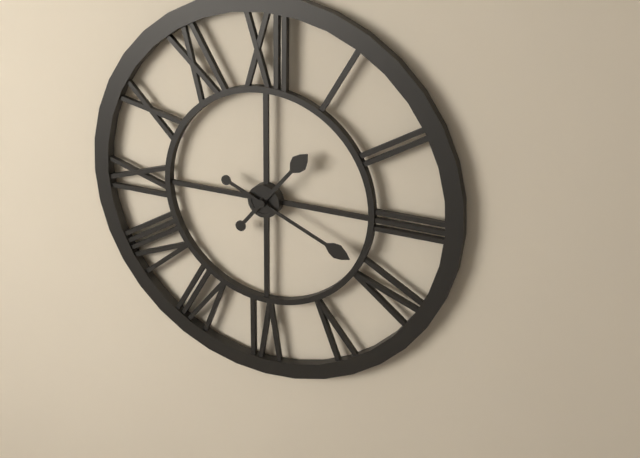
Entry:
h=1 m=19
